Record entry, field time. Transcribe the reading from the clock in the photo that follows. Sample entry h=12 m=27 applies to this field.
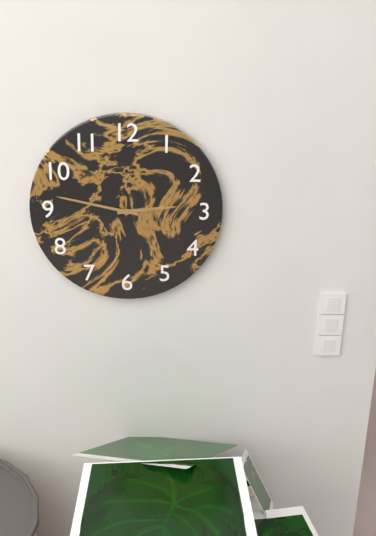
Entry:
h=2 m=47
